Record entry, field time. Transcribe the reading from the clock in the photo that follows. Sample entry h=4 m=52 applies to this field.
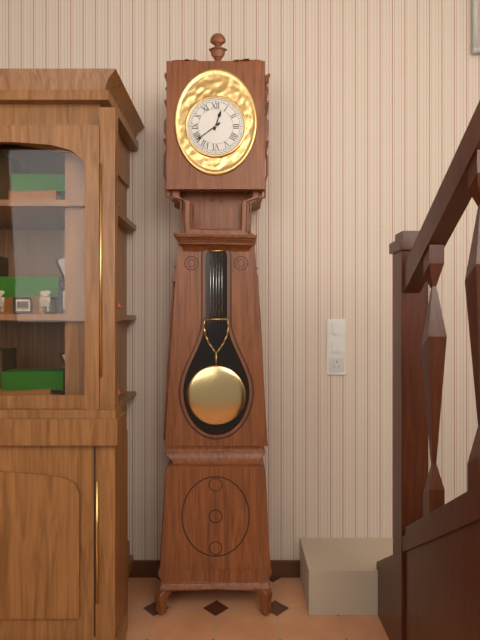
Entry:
h=12 m=39
